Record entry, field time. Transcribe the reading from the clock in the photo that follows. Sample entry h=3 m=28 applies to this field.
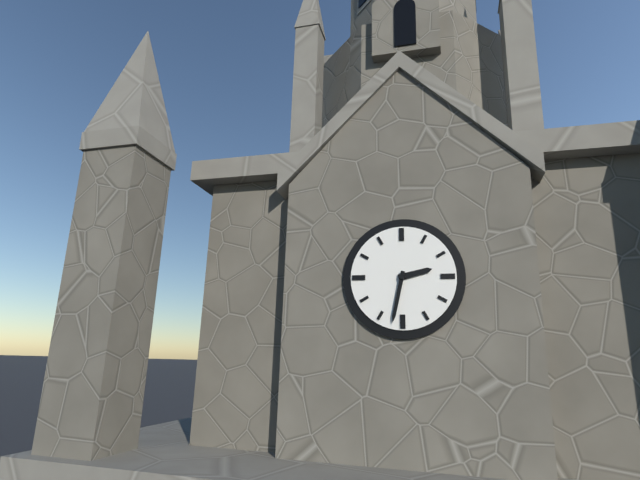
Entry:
h=2 m=32
